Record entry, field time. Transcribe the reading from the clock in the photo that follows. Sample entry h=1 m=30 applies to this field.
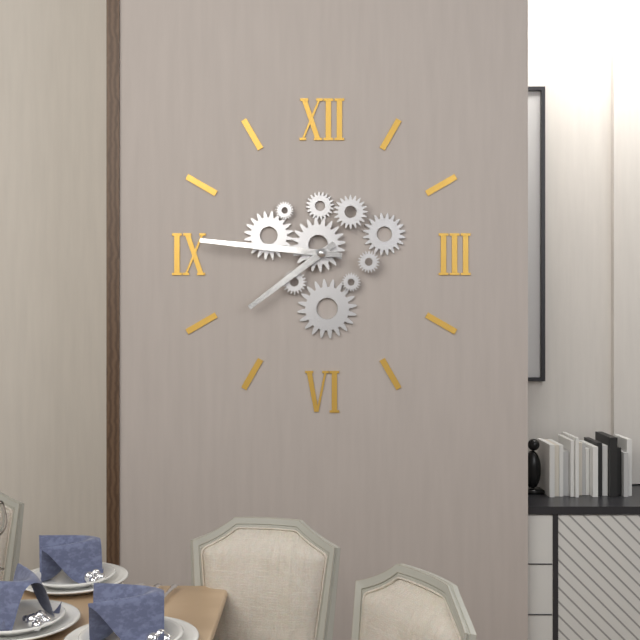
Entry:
h=7 m=46
